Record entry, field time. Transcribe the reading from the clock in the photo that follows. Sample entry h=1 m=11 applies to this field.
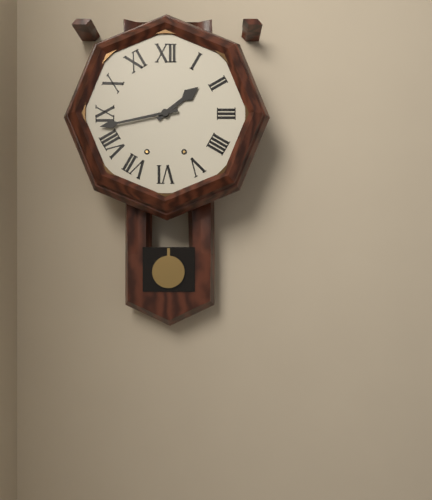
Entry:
h=1 m=43
